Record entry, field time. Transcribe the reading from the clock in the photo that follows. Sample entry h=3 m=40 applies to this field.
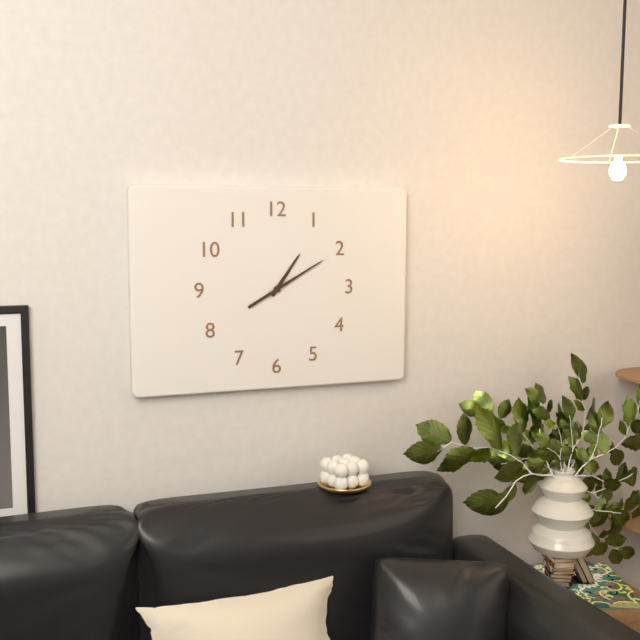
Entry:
h=1 m=10
